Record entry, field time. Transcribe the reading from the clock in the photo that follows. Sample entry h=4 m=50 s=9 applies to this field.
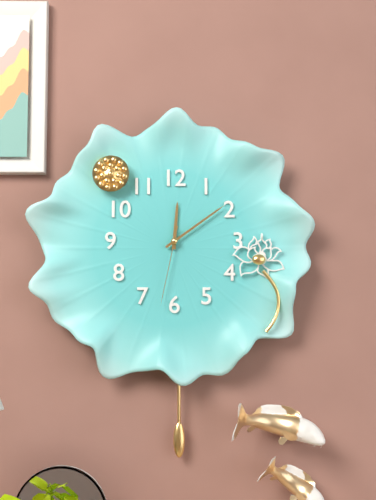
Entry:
h=12 m=9 s=32
